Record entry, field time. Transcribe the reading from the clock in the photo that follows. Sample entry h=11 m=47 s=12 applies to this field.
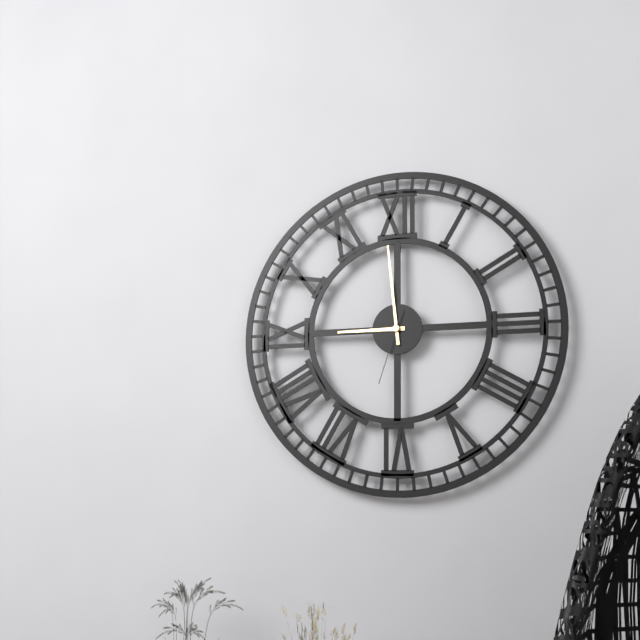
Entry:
h=8 m=59 s=33
